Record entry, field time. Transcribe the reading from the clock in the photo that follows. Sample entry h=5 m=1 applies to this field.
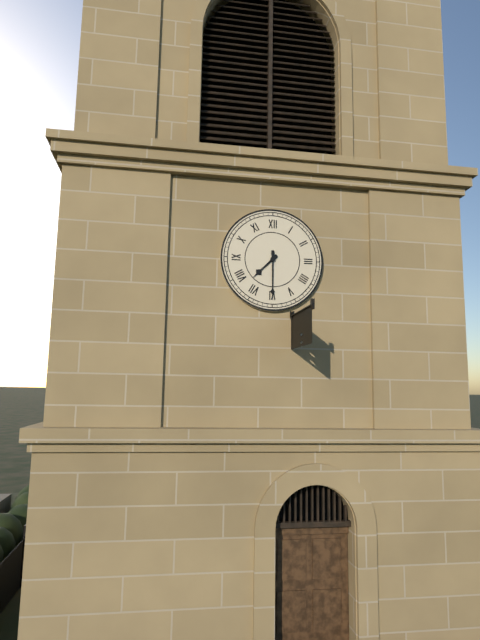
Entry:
h=7 m=30
